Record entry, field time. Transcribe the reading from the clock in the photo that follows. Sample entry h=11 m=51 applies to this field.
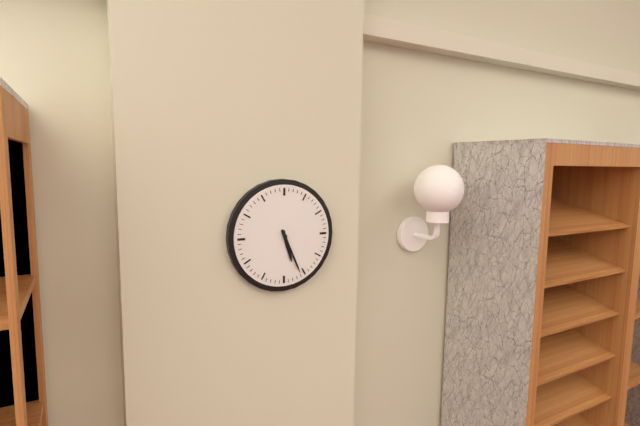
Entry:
h=5 m=26
